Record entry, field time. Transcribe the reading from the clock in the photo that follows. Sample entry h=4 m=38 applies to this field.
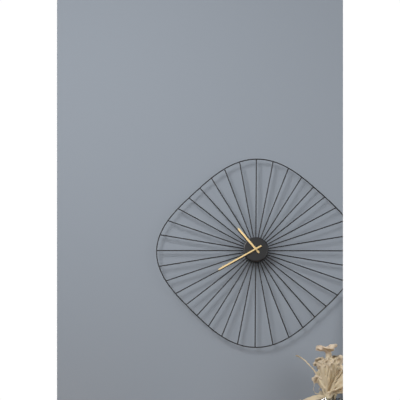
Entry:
h=10 m=40
